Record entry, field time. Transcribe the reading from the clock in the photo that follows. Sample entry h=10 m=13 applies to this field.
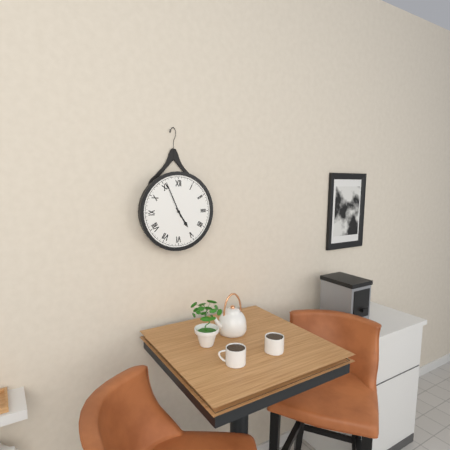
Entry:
h=4 m=56
